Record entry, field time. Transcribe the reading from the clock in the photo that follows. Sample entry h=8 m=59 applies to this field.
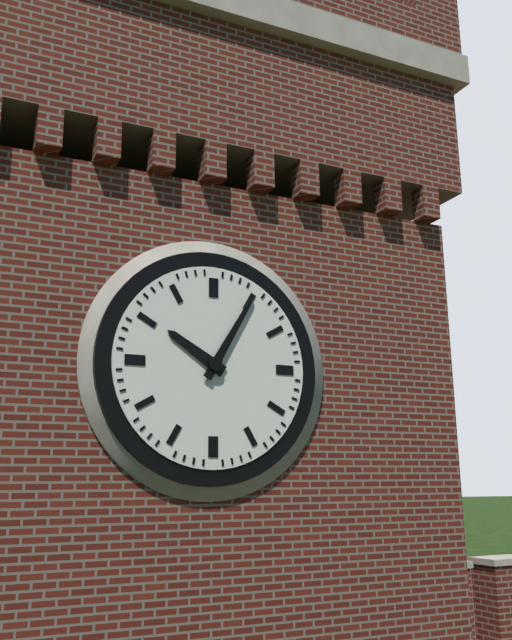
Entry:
h=10 m=5
